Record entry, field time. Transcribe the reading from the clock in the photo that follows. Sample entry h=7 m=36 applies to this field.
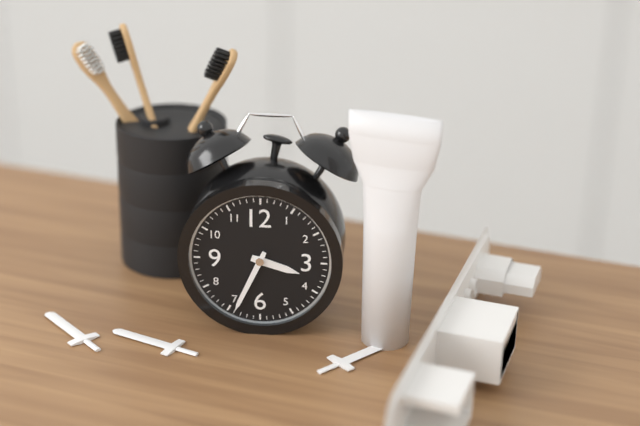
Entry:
h=3 m=34
